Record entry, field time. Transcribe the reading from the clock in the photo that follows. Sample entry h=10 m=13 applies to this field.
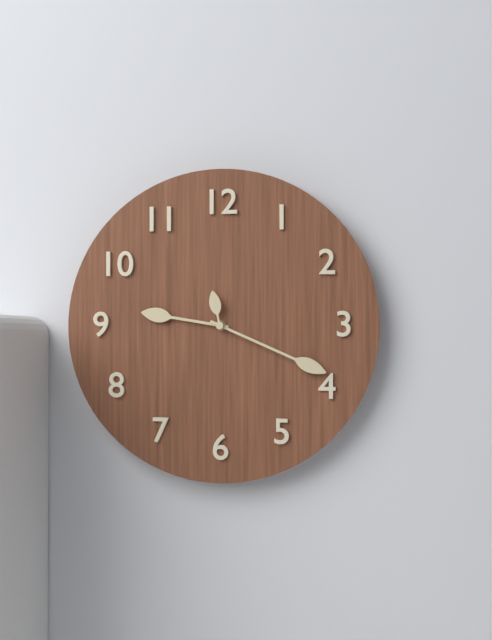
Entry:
h=9 m=19
